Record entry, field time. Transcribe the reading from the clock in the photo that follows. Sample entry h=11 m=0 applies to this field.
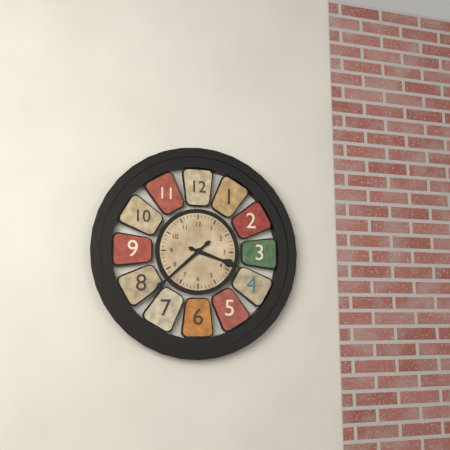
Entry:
h=3 m=38
